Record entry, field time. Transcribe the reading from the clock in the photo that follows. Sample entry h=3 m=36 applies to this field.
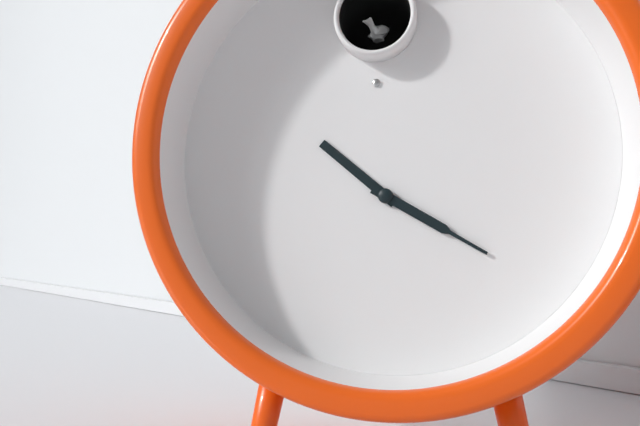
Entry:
h=10 m=20
